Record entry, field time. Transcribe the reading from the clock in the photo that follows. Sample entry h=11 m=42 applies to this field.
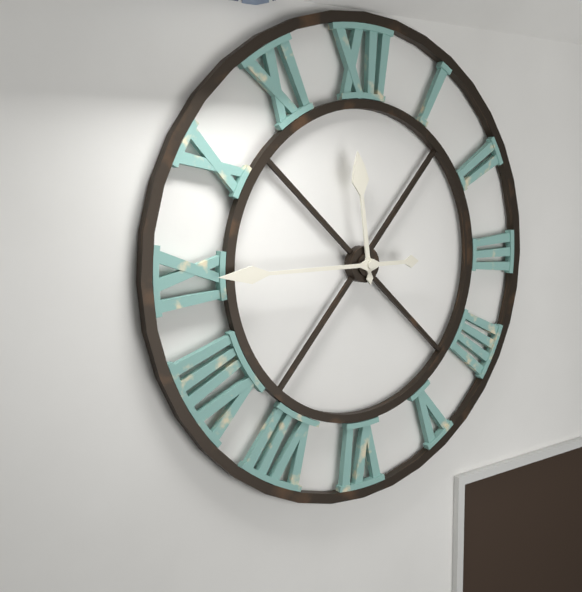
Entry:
h=11 m=45
